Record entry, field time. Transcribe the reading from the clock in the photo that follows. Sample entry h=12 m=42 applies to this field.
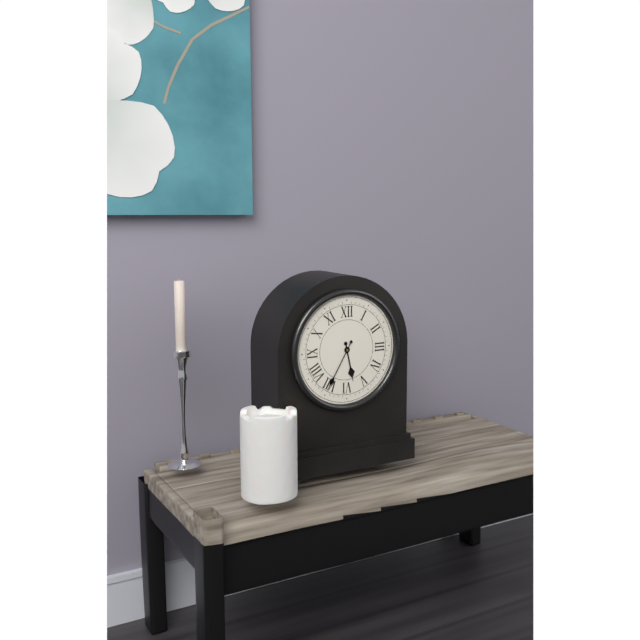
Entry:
h=5 m=35
